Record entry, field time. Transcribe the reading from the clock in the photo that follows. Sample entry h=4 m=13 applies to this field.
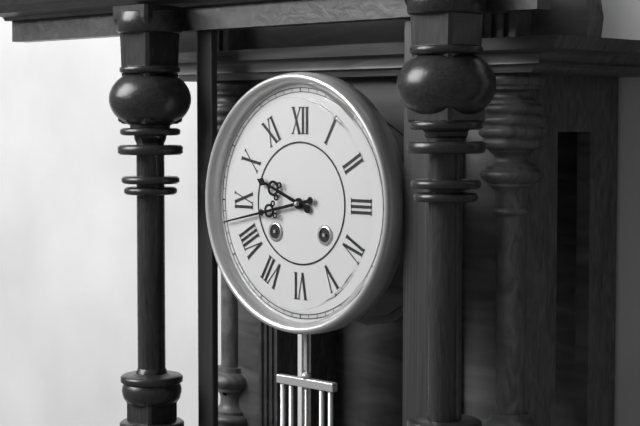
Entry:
h=9 m=43
